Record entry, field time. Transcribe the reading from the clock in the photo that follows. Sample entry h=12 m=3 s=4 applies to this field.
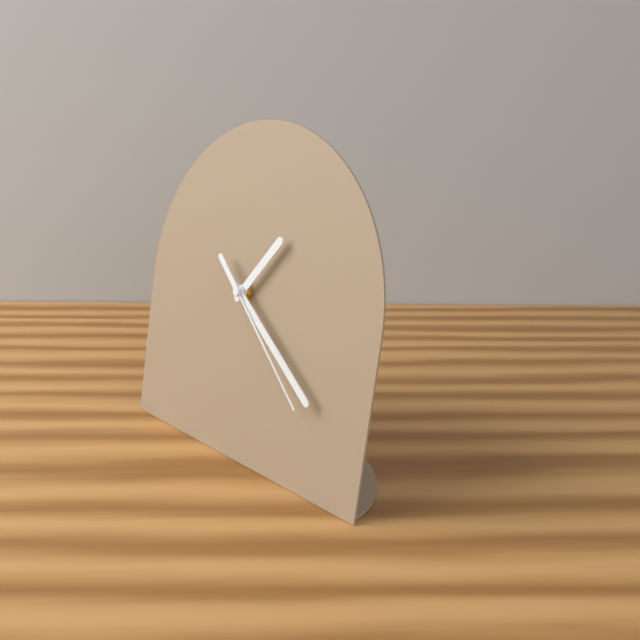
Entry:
h=1 m=21 s=22
